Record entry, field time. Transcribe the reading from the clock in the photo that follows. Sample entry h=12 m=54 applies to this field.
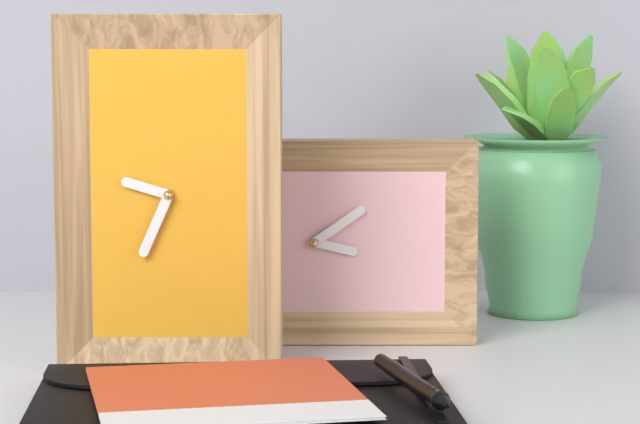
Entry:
h=9 m=34
